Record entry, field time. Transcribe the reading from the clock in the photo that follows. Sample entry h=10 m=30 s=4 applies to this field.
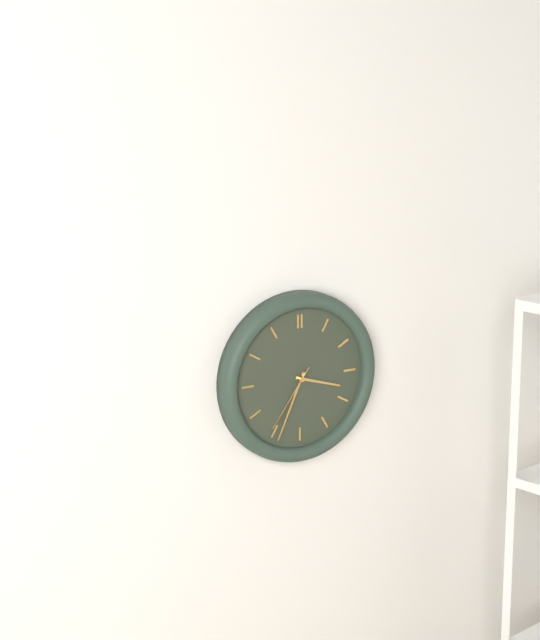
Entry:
h=3 m=34 s=36
